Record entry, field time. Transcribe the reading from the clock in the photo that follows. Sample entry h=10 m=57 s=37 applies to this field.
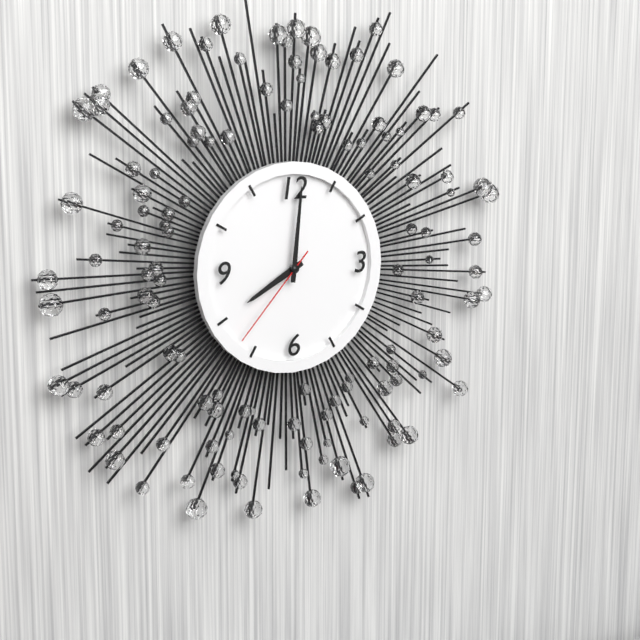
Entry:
h=8 m=1 s=37
